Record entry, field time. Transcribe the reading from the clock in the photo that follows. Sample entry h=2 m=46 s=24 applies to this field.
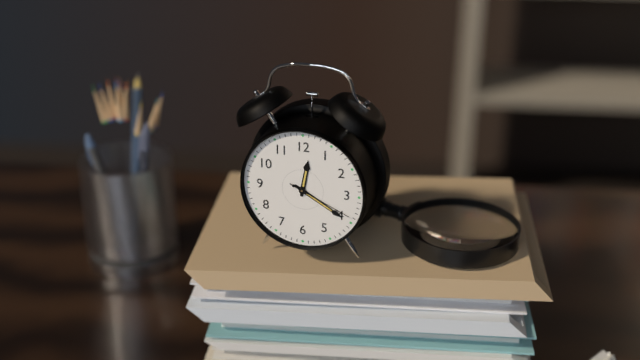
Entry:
h=12 m=20 s=19
